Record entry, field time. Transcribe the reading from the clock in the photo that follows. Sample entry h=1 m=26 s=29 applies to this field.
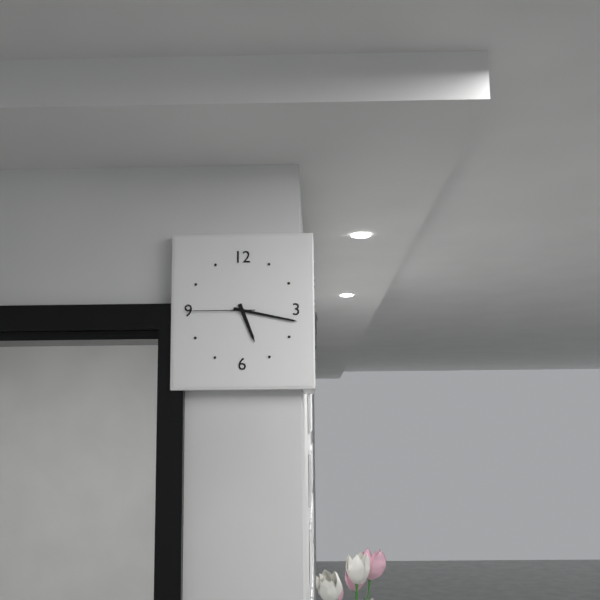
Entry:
h=5 m=17 s=45
